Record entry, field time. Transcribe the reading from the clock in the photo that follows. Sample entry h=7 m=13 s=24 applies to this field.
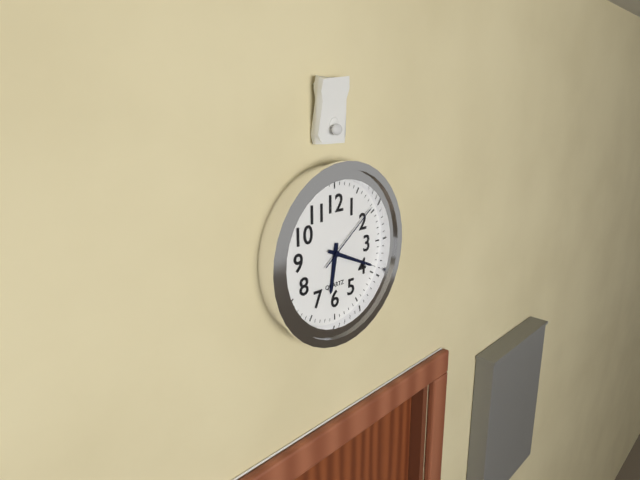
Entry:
h=6 m=19 s=9
